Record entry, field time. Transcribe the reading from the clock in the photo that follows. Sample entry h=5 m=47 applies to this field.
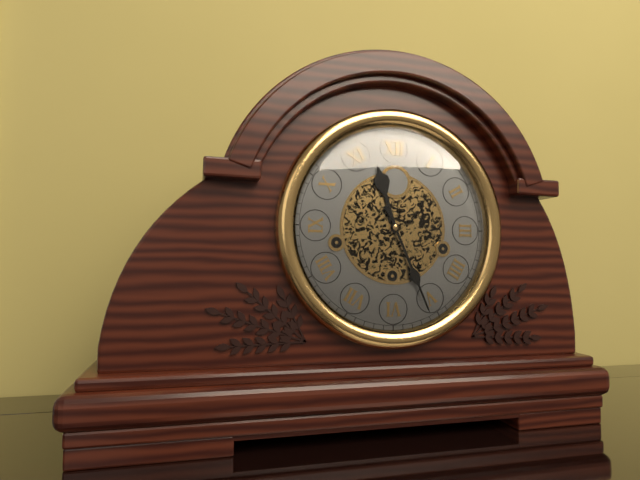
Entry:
h=11 m=26
